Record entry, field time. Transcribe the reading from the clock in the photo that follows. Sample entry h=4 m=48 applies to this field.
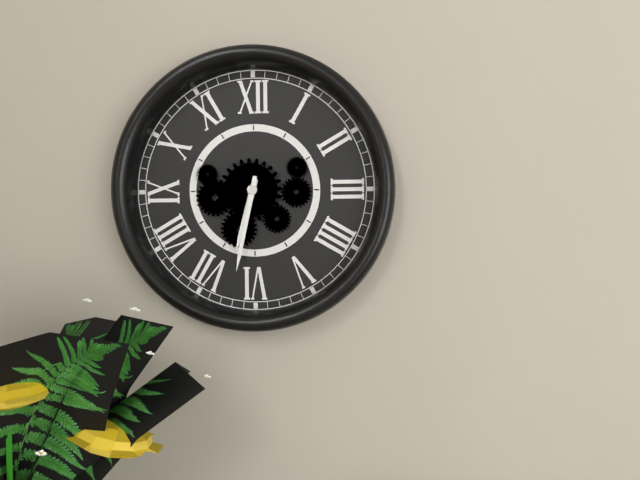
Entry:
h=6 m=32
